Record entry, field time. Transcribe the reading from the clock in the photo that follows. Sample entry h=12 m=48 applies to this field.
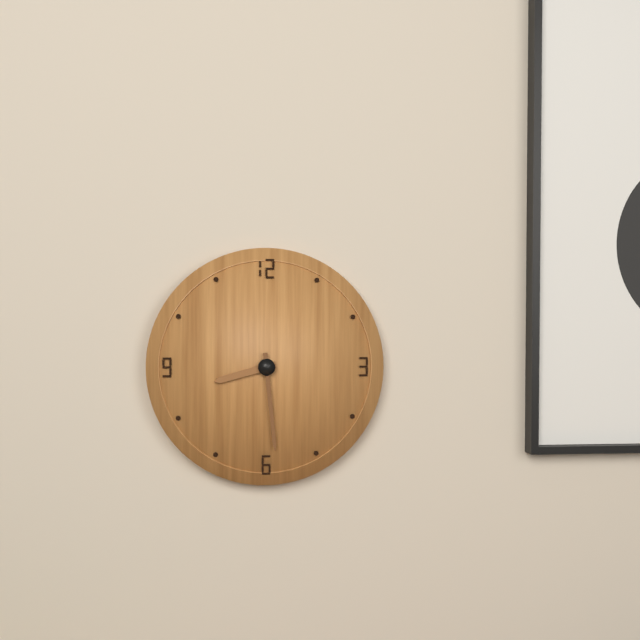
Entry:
h=8 m=29
